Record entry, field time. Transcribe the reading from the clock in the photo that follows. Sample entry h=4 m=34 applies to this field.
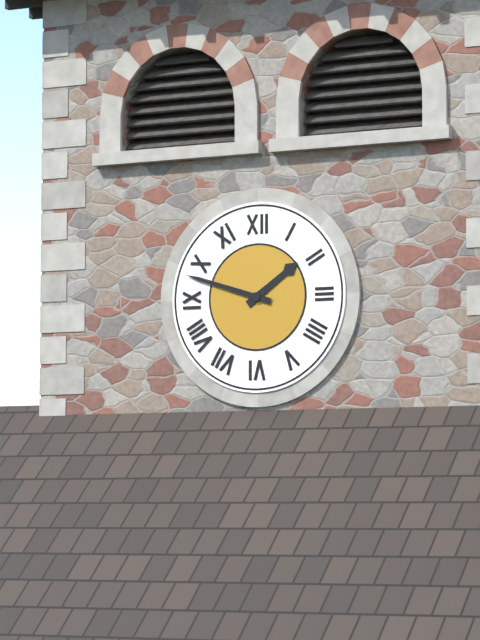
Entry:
h=1 m=48
